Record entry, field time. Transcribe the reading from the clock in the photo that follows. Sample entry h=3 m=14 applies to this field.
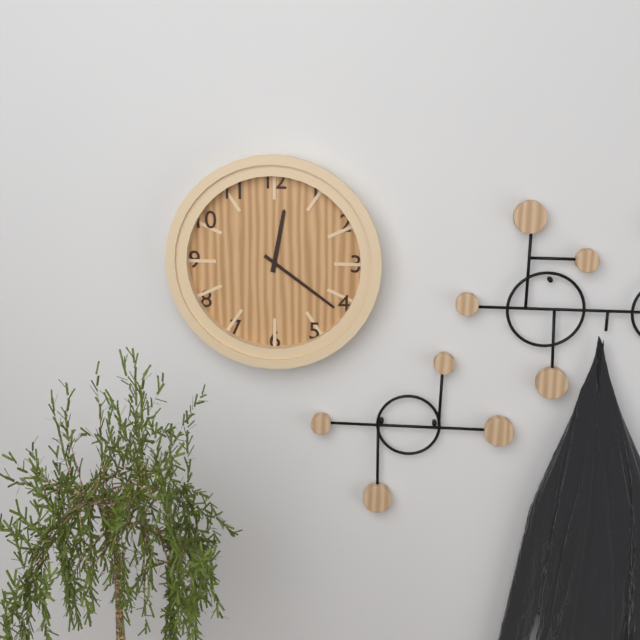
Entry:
h=12 m=21
